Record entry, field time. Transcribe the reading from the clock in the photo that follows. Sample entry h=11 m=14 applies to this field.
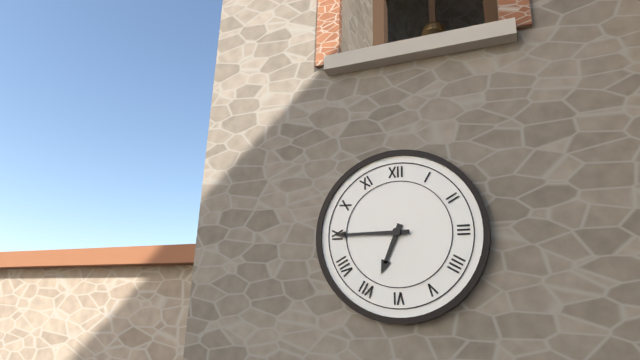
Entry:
h=6 m=45
